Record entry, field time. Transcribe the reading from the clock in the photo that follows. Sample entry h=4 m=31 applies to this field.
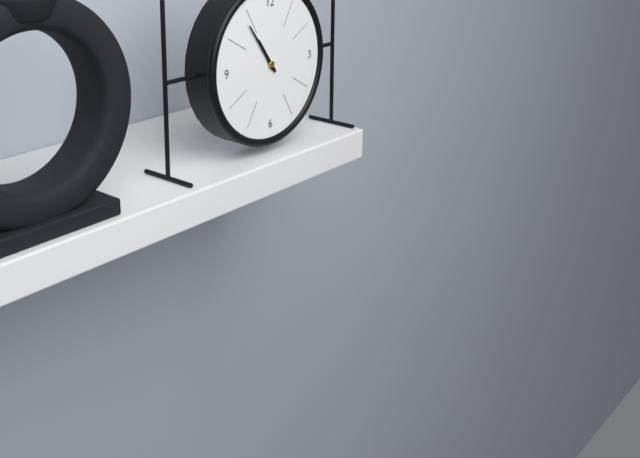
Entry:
h=10 m=54
